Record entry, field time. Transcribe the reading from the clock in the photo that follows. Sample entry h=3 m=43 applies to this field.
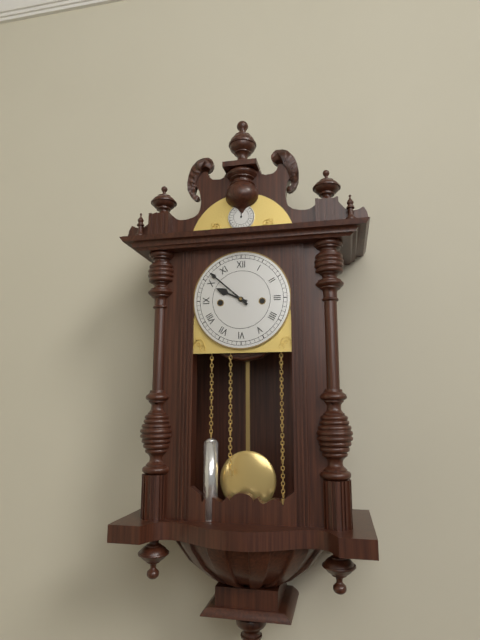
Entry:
h=9 m=52
